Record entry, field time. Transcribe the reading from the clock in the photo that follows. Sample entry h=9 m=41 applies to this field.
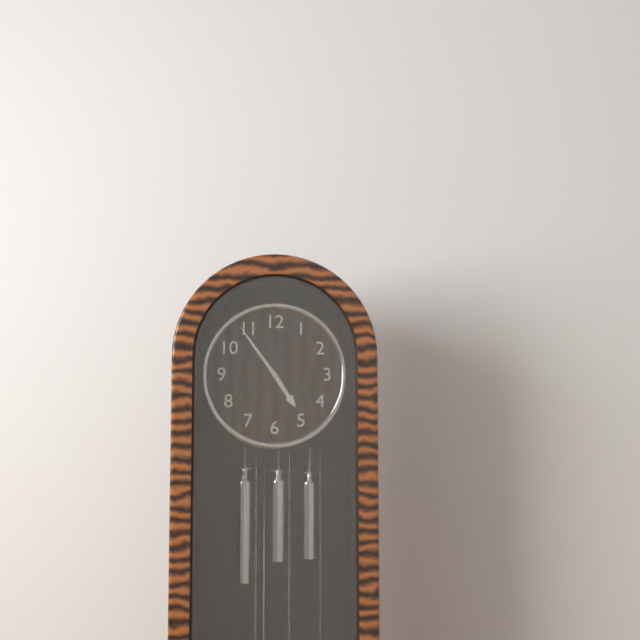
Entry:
h=4 m=54
